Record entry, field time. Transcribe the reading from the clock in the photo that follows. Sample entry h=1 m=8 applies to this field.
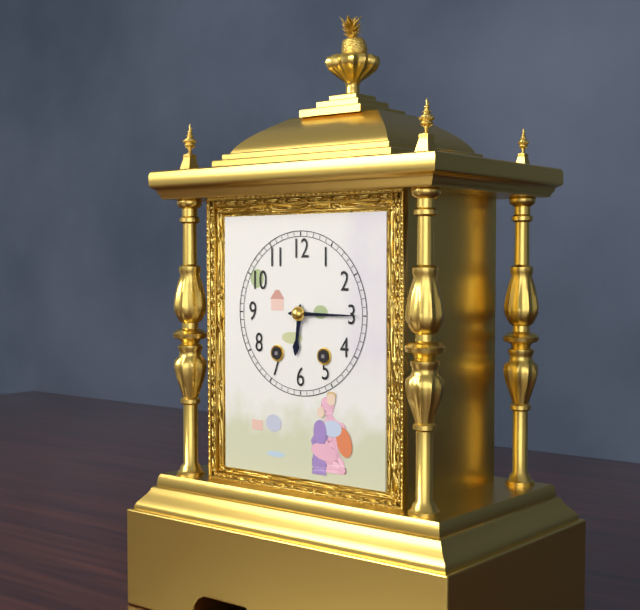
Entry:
h=6 m=15
